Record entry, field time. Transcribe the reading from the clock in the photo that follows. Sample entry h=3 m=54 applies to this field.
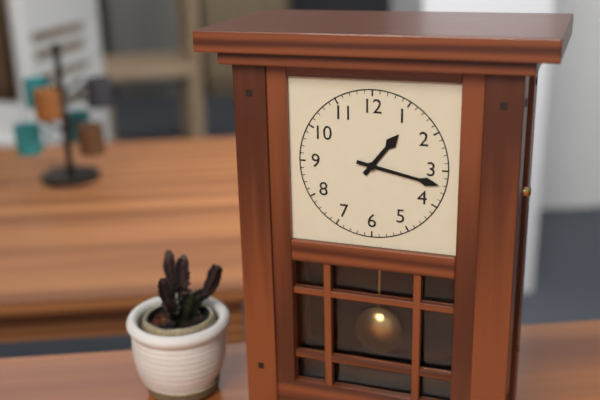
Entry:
h=1 m=17
